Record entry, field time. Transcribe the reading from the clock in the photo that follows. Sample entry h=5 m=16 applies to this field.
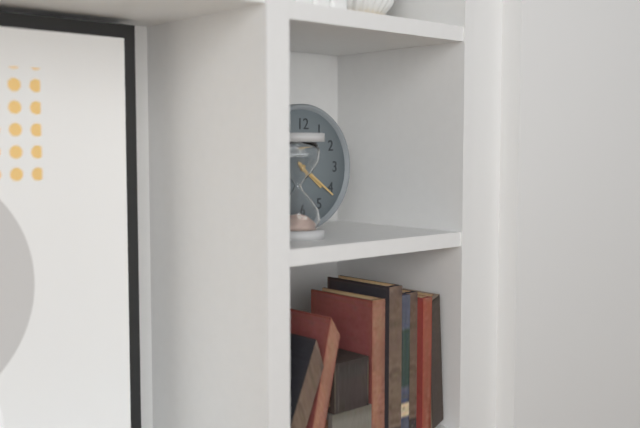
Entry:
h=4 m=21
